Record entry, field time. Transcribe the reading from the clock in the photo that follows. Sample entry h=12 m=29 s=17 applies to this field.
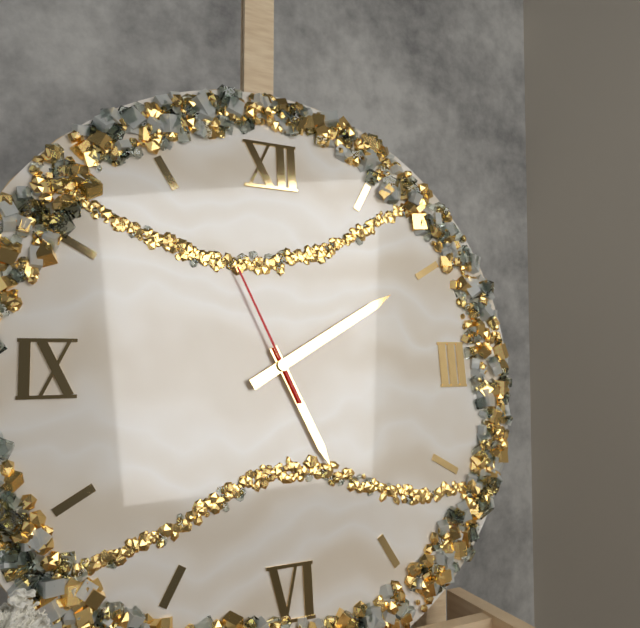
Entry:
h=5 m=10 s=56
